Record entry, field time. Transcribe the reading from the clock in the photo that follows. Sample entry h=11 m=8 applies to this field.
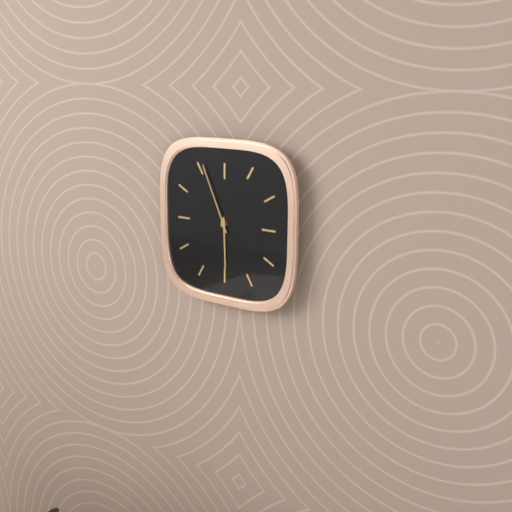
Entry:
h=5 m=56
